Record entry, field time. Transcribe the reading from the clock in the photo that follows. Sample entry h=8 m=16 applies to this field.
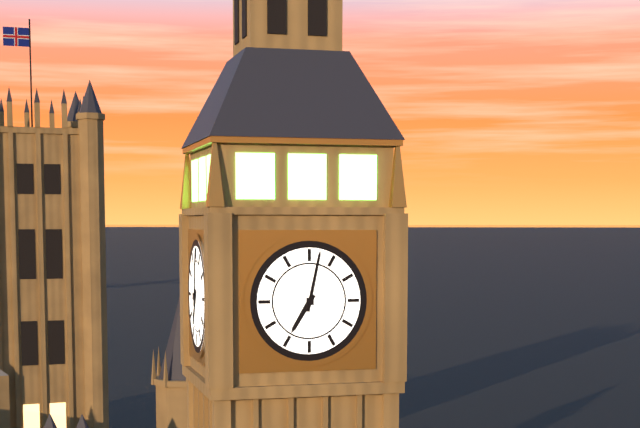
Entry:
h=7 m=2
